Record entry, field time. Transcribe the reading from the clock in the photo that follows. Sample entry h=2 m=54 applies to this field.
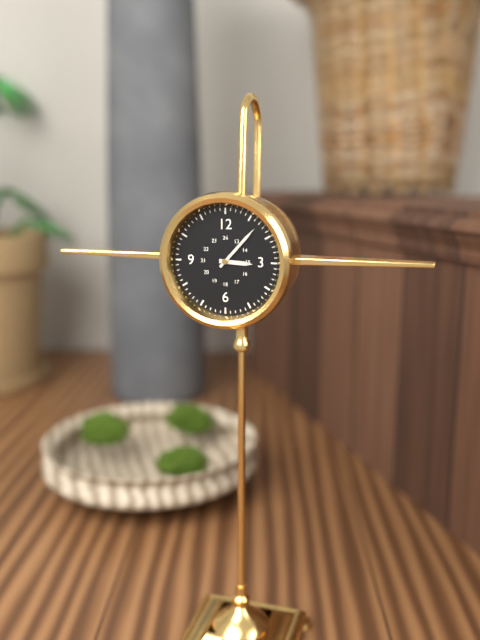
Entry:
h=3 m=7
